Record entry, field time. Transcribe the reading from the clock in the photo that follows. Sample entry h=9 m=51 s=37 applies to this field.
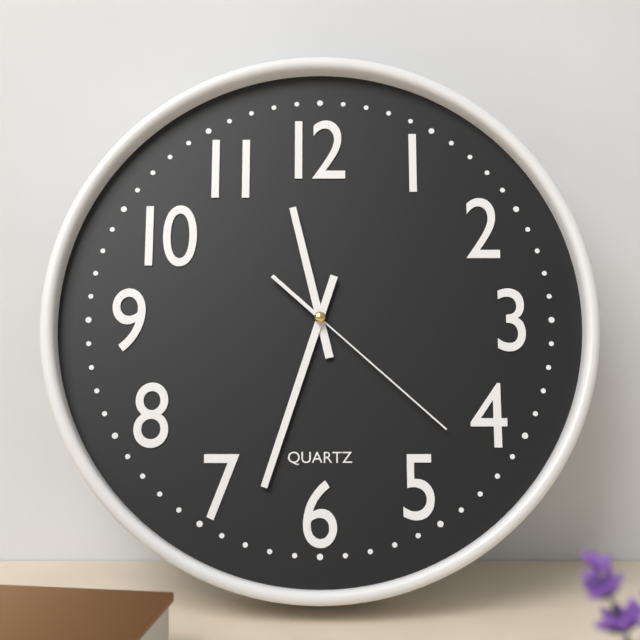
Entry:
h=11 m=33 s=22
